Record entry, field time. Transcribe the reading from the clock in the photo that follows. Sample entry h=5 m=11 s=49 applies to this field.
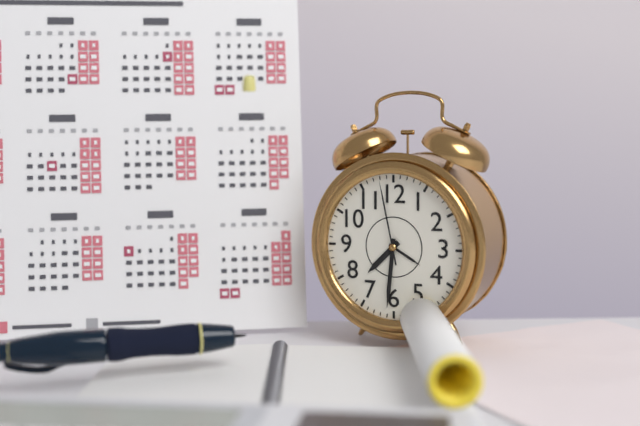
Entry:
h=7 m=31 s=58
